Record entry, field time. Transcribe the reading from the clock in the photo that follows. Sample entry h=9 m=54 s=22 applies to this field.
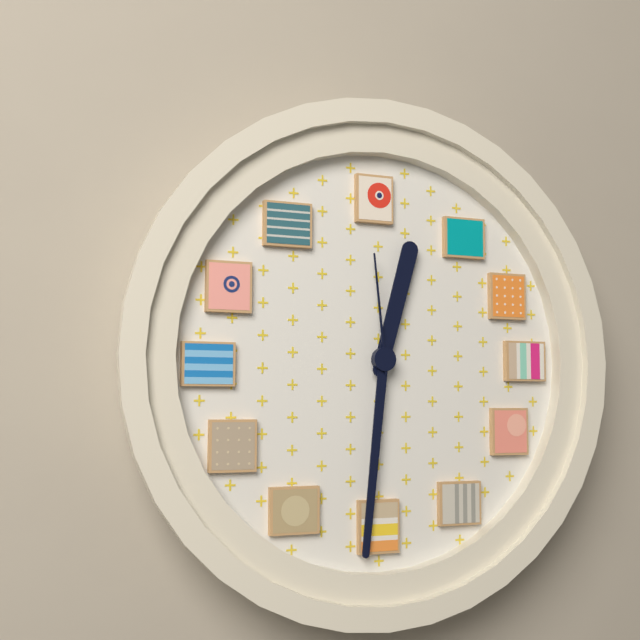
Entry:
h=12 m=31 s=59
